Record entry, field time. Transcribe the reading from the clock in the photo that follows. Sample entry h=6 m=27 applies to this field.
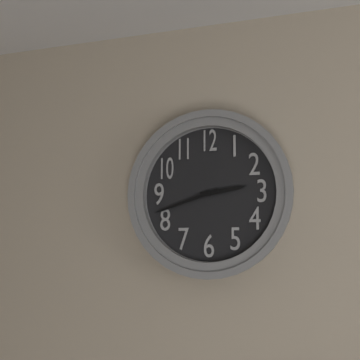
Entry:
h=2 m=42
